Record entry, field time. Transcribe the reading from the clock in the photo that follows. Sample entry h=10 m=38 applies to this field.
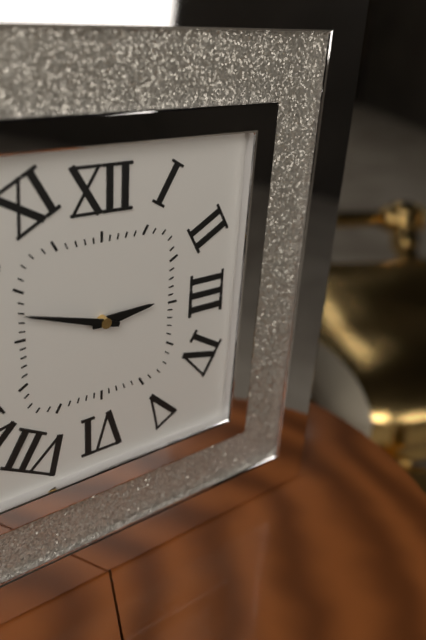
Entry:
h=2 m=48
